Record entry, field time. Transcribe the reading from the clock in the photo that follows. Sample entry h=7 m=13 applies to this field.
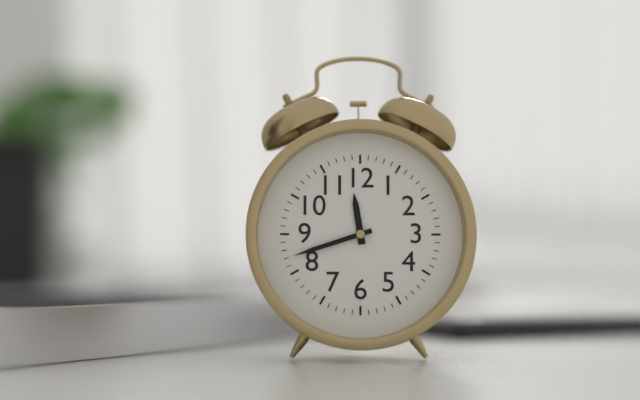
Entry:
h=11 m=42
